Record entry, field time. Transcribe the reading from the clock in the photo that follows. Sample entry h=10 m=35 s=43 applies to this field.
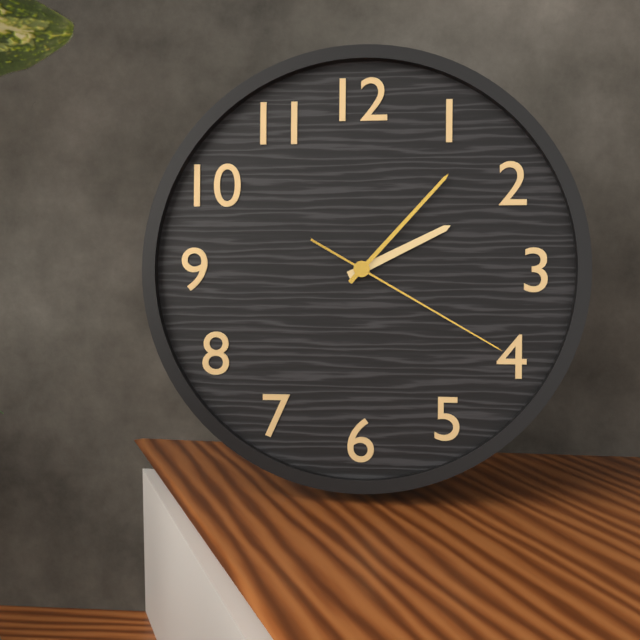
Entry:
h=2 m=7 s=20
